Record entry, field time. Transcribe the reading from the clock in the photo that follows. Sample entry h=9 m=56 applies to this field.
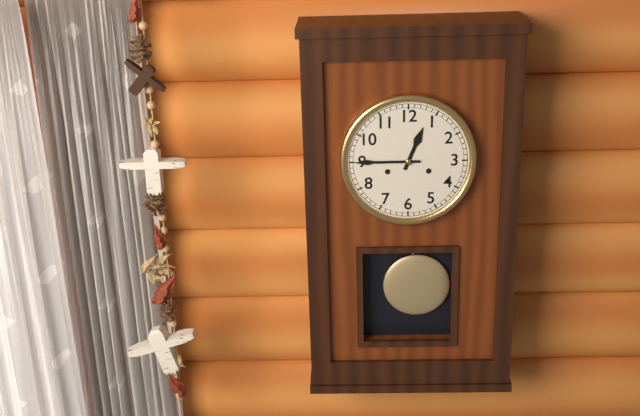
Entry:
h=12 m=45
